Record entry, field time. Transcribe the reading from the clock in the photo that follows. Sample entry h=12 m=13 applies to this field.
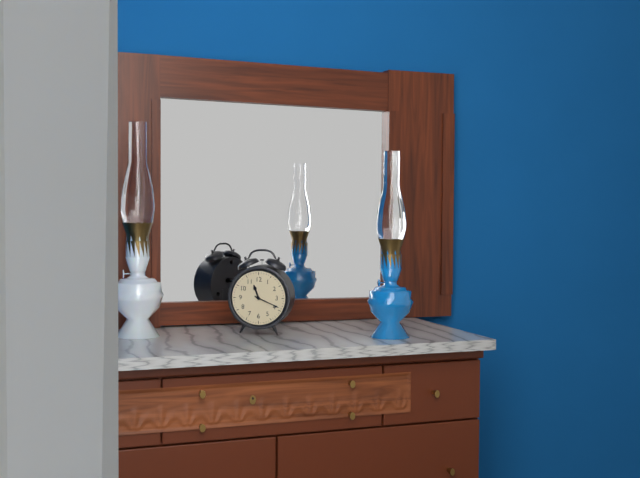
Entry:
h=11 m=19
